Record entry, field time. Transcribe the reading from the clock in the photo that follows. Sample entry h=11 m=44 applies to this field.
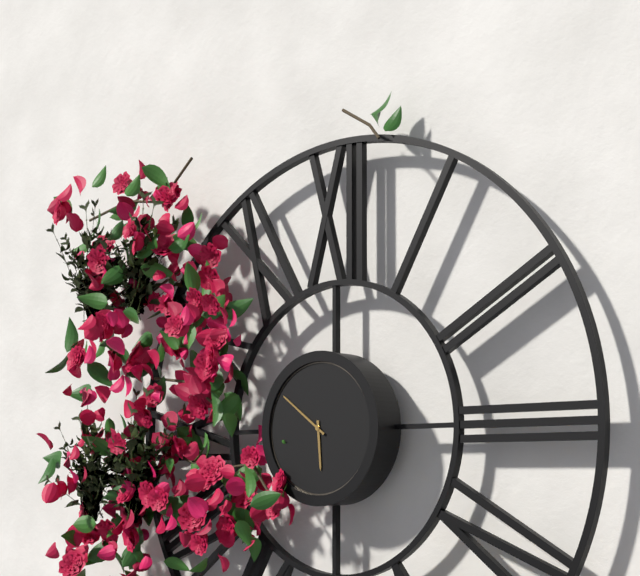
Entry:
h=5 m=51
